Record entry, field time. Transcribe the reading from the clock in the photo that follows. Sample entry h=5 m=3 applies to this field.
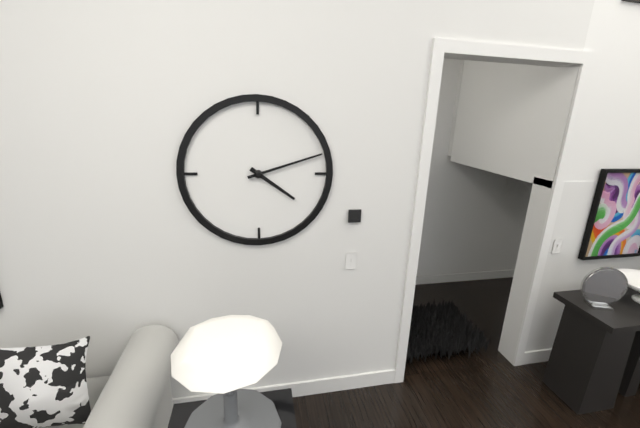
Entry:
h=4 m=12
